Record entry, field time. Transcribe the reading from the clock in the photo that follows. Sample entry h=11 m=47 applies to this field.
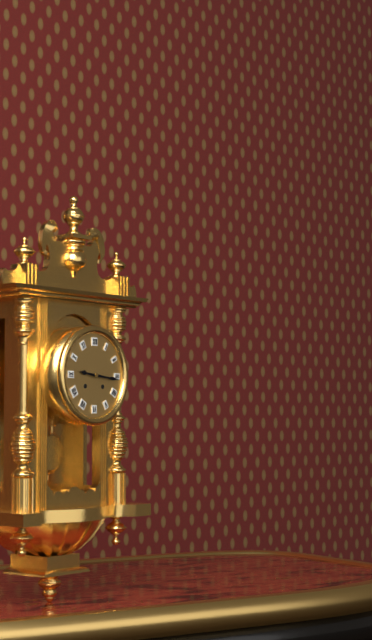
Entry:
h=9 m=16
